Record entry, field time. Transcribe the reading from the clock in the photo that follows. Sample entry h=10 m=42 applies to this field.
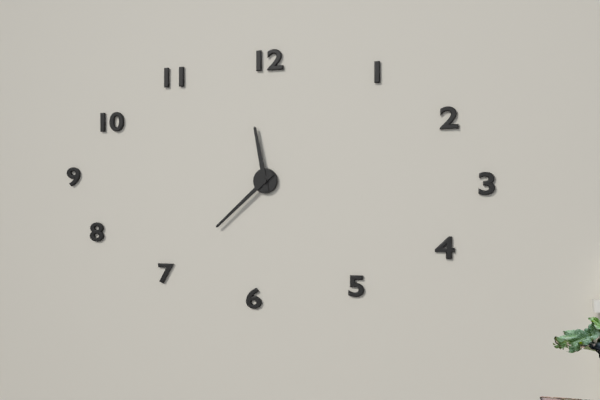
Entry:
h=11 m=38
